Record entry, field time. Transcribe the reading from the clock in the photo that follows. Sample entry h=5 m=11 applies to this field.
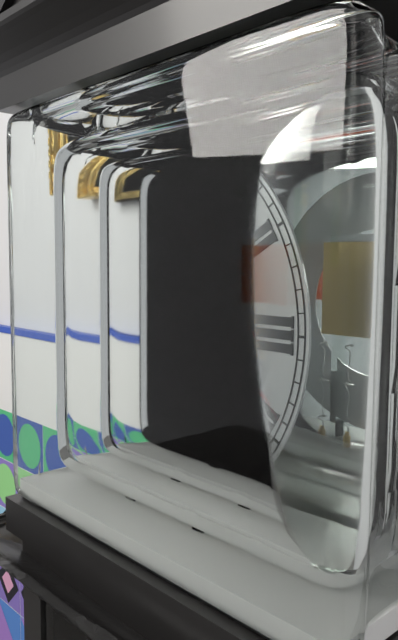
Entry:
h=11 m=21
